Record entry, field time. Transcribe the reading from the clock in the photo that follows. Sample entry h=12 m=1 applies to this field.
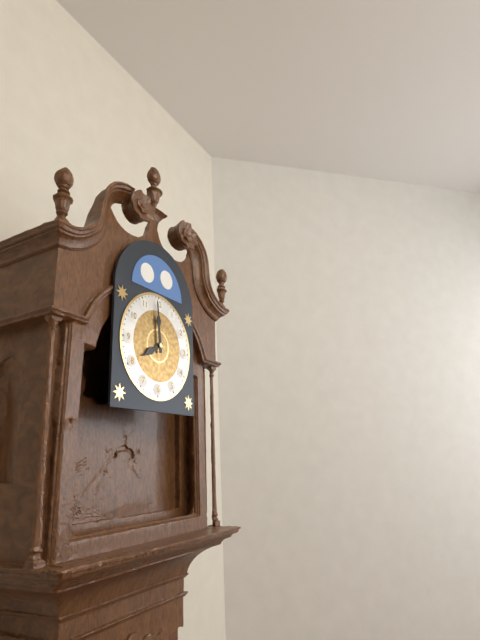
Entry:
h=7 m=59
